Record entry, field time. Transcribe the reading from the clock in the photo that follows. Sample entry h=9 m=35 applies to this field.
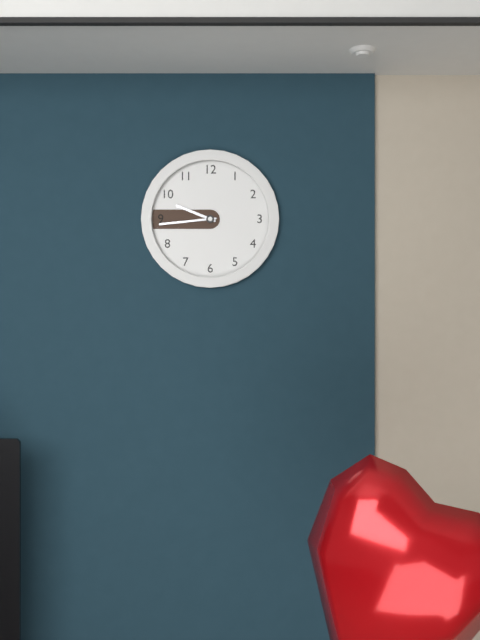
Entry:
h=9 m=44
